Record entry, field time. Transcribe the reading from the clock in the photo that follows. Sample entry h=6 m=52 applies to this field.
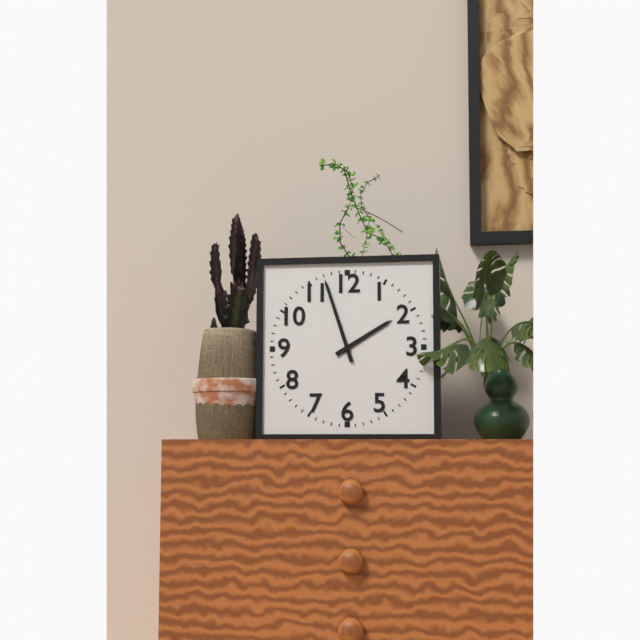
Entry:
h=1 m=57
